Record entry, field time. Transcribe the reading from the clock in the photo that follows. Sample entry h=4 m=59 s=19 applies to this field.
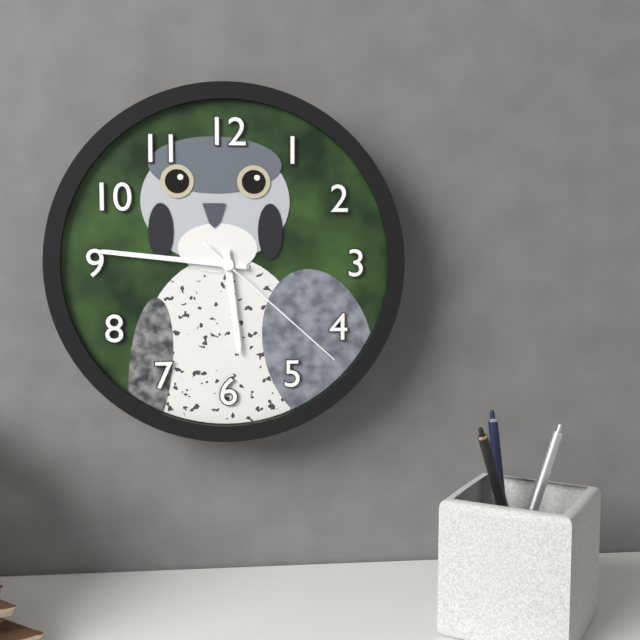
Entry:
h=5 m=46 s=22
